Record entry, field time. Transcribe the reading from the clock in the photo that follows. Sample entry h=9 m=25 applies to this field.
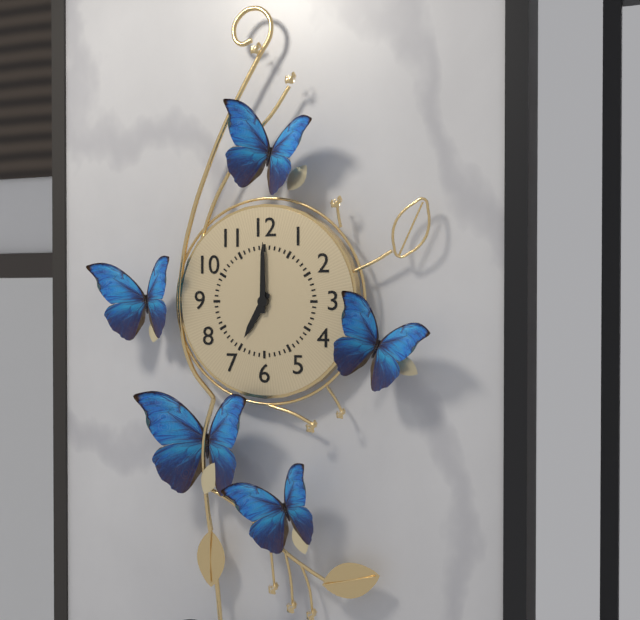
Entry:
h=7 m=0
